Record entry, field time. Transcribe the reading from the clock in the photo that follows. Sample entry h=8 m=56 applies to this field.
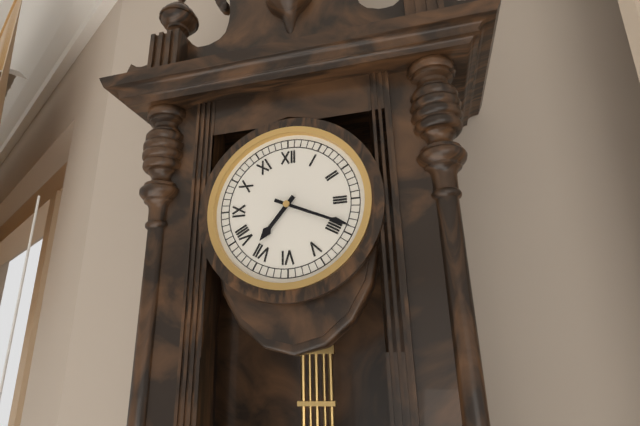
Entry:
h=7 m=19
